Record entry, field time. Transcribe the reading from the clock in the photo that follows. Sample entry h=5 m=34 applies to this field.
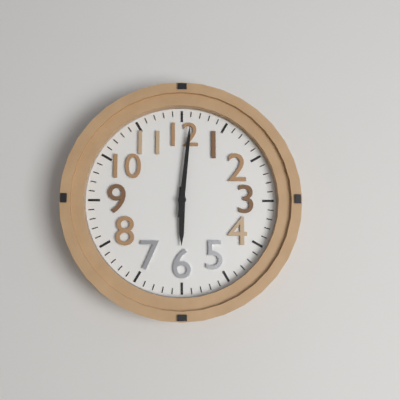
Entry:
h=6 m=1
